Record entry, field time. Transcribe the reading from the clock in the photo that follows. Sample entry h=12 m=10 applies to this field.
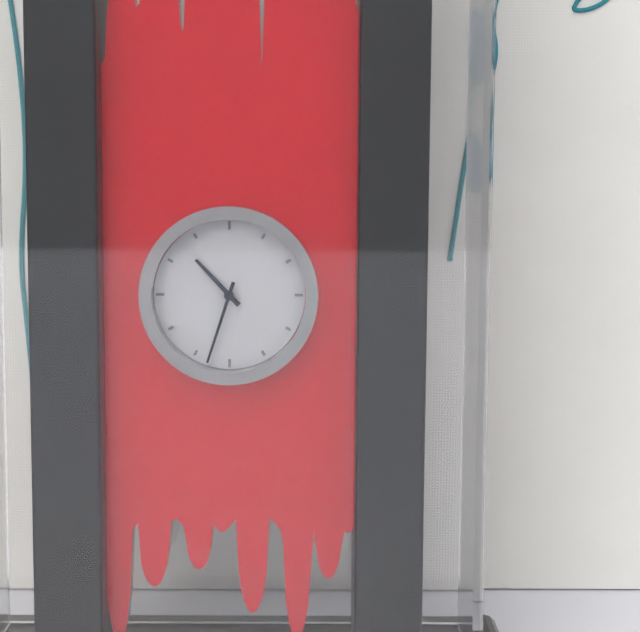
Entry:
h=10 m=33
